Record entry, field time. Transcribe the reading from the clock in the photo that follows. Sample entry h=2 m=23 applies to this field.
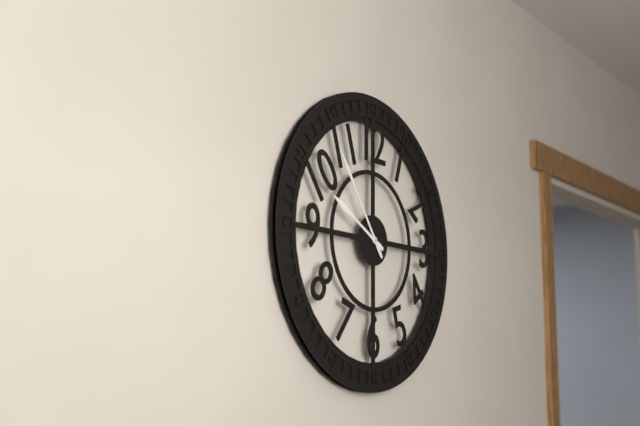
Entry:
h=9 m=54
